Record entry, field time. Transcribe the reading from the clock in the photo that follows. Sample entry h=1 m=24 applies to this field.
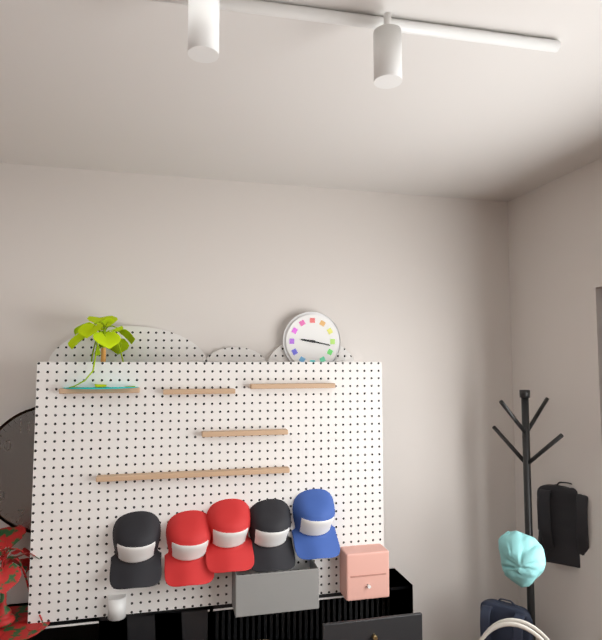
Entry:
h=9 m=17
